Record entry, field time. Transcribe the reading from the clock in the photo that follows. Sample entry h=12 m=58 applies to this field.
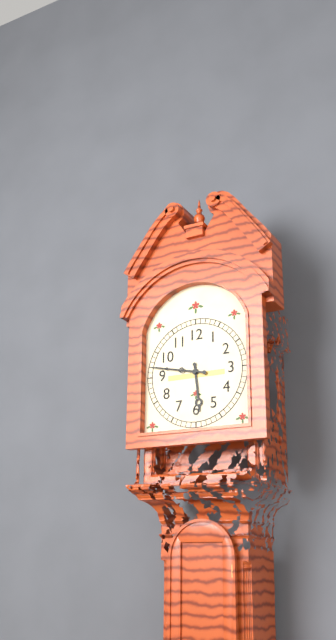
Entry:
h=5 m=47
